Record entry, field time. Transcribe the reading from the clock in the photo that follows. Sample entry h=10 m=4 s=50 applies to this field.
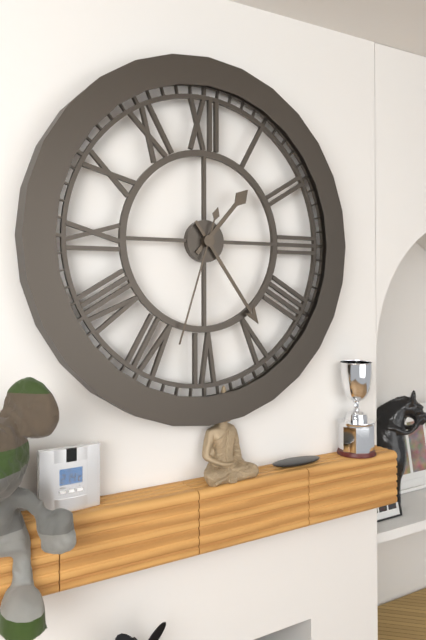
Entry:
h=1 m=24 s=33
